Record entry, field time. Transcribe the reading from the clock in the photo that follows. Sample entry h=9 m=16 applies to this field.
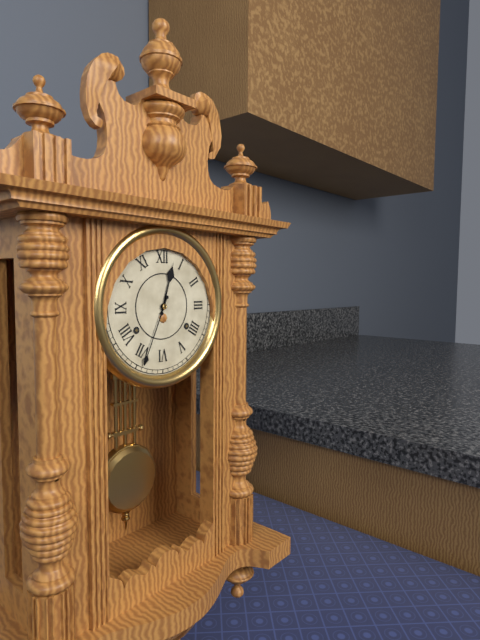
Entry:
h=12 m=34
